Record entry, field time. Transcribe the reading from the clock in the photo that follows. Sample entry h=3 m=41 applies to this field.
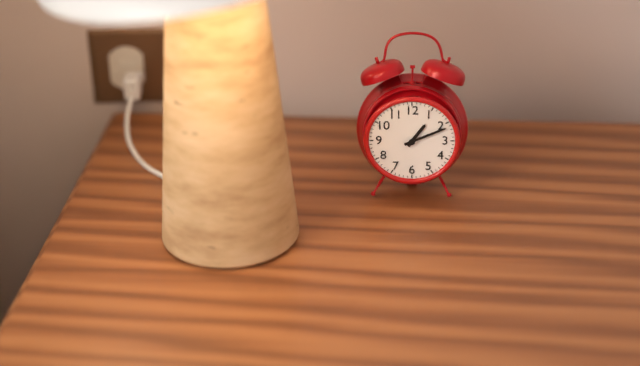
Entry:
h=1 m=11
